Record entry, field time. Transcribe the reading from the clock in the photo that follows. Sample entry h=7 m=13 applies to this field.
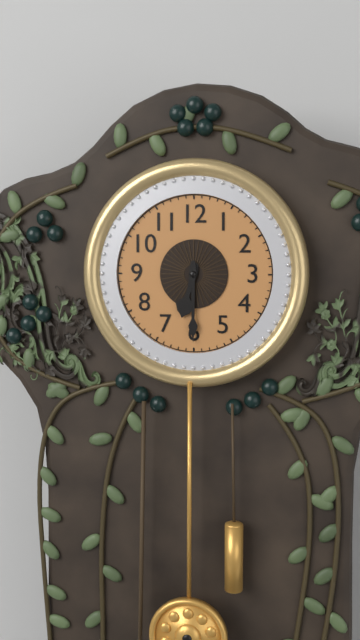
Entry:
h=6 m=30
